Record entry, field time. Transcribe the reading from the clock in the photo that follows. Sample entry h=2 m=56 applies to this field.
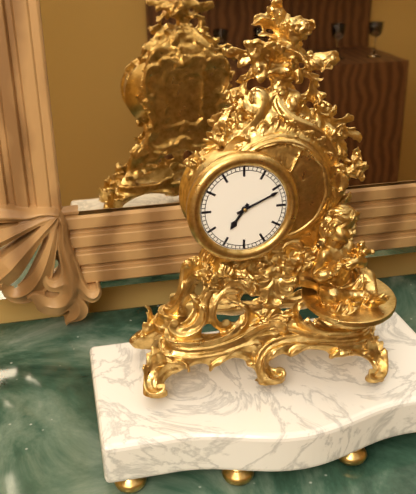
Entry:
h=7 m=11
